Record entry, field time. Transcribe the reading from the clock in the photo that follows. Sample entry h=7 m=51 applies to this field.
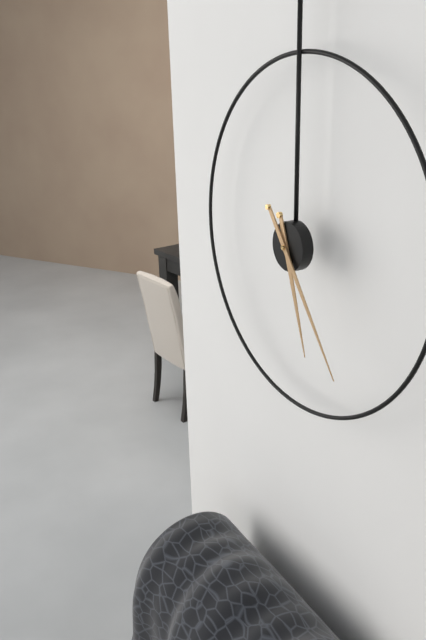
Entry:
h=5 m=24
